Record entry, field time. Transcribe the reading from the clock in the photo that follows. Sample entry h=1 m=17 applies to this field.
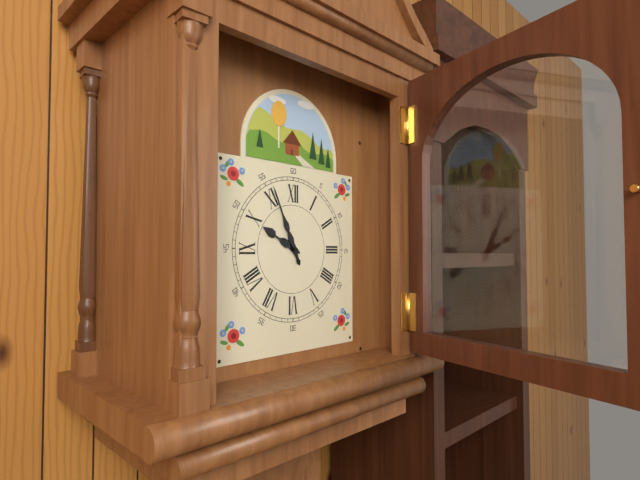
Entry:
h=9 m=56
